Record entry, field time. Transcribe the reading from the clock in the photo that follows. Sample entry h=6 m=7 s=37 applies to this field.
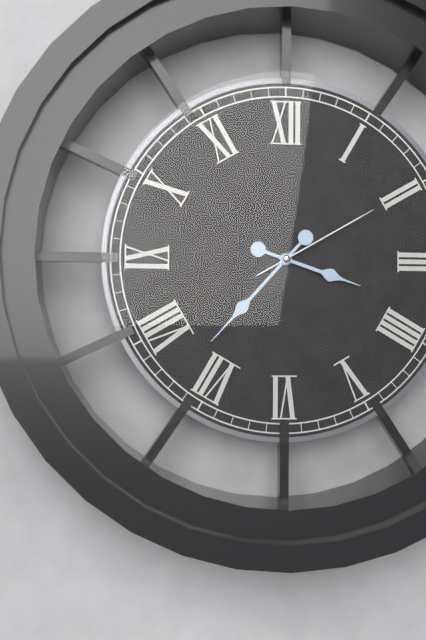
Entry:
h=3 m=37 s=10
